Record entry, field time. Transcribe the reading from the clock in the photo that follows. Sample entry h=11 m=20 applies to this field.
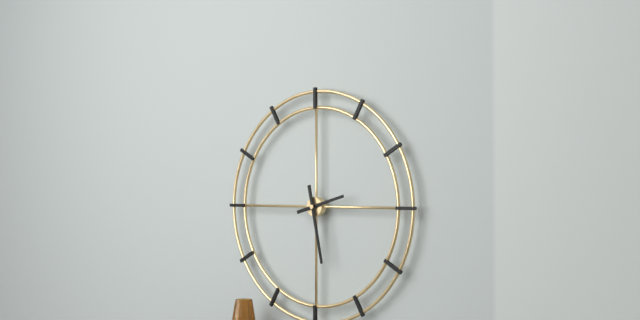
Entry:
h=2 m=28
